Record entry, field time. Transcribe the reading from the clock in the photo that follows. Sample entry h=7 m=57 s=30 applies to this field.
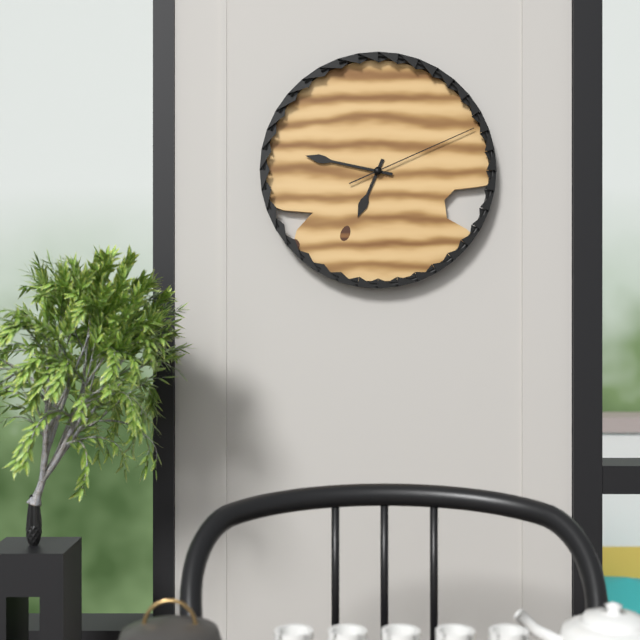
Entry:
h=6 m=47 s=11
